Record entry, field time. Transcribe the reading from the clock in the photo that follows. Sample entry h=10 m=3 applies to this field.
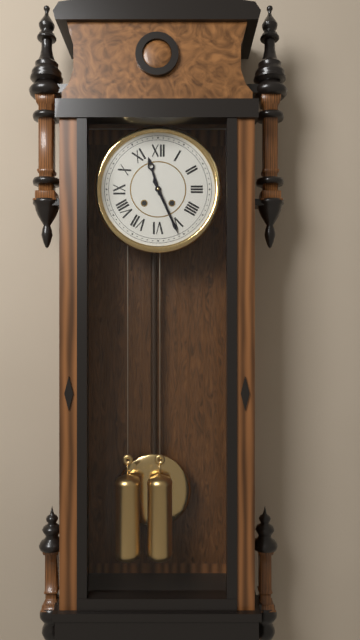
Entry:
h=11 m=26
